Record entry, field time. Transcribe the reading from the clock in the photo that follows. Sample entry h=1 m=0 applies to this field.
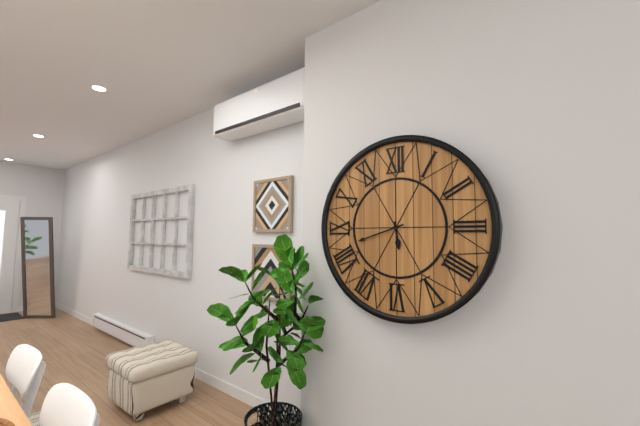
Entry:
h=5 m=42
